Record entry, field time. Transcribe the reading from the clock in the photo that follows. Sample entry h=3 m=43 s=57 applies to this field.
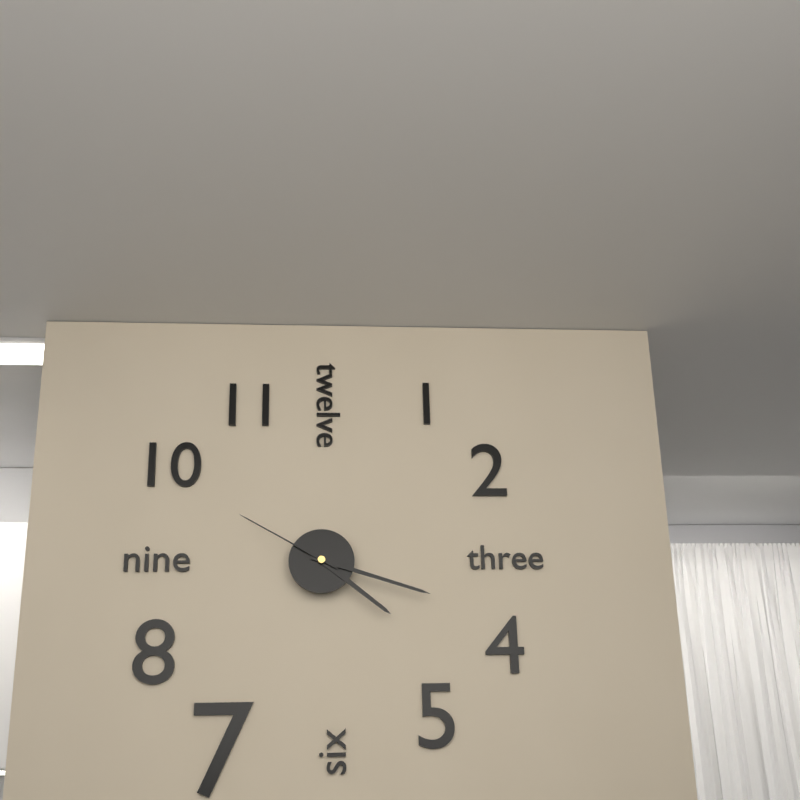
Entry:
h=4 m=18 s=50
